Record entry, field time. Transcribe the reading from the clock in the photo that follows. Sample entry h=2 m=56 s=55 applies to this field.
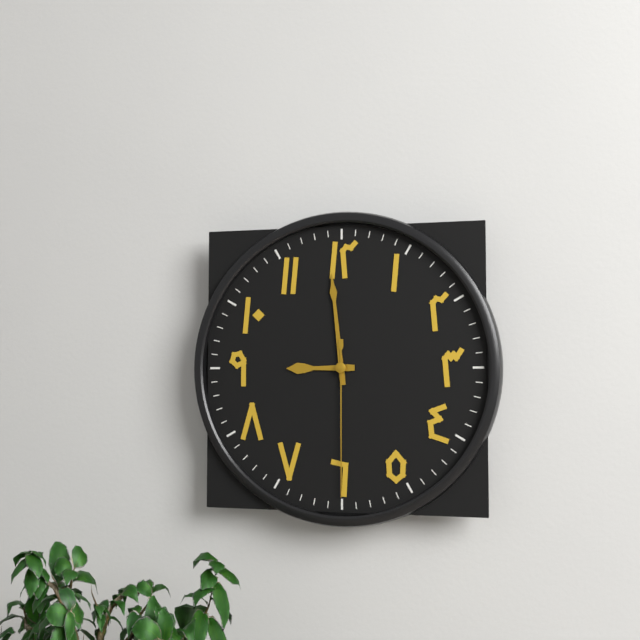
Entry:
h=8 m=59 s=30
